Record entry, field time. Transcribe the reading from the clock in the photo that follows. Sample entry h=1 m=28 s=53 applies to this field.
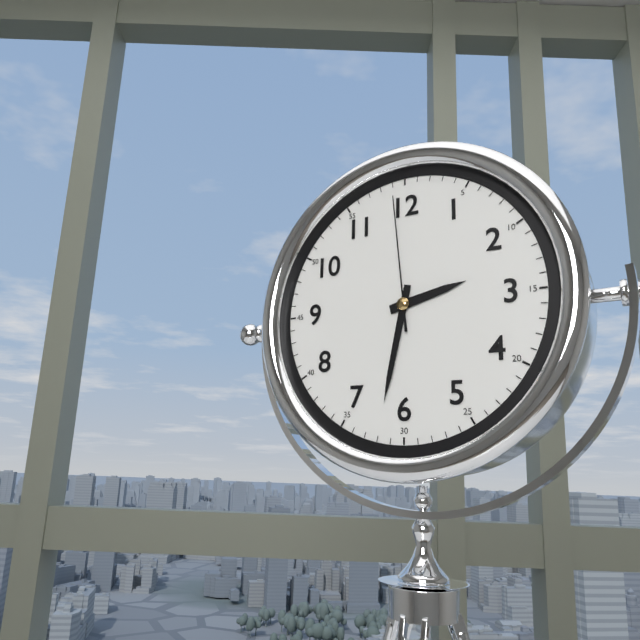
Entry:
h=2 m=32 s=59
